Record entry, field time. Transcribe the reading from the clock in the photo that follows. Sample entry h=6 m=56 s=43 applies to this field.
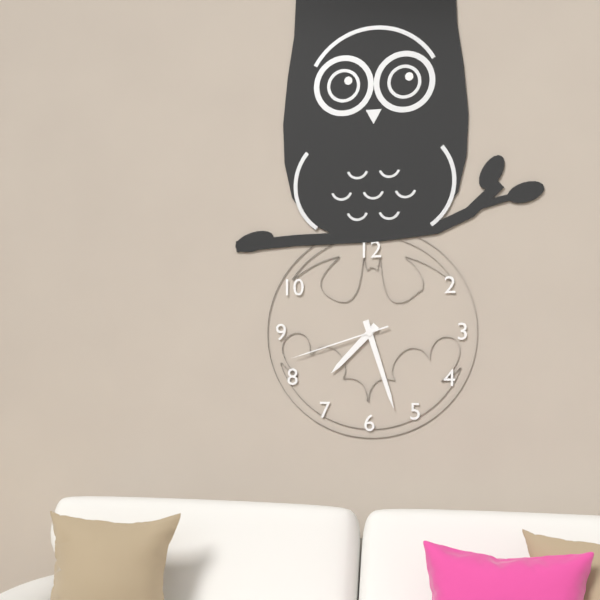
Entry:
h=7 m=27 s=42
